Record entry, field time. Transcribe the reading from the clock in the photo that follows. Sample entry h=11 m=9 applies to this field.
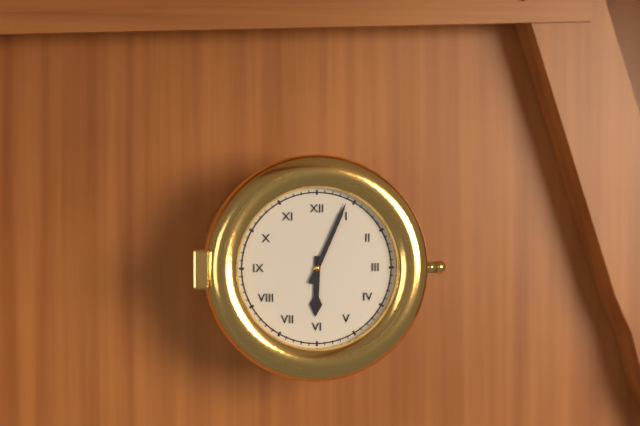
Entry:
h=6 m=4
